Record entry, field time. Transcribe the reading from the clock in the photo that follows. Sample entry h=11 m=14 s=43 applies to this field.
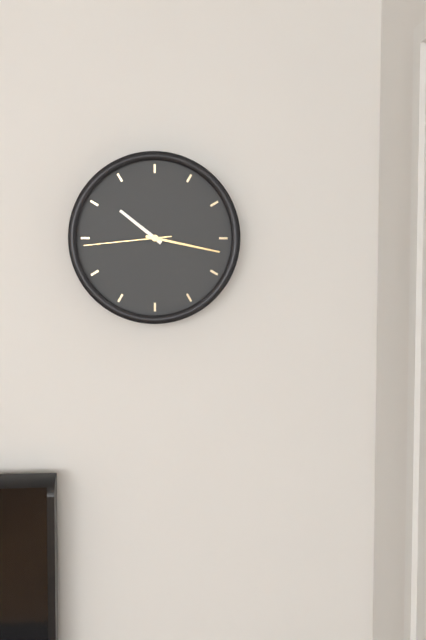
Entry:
h=10 m=17 s=44
